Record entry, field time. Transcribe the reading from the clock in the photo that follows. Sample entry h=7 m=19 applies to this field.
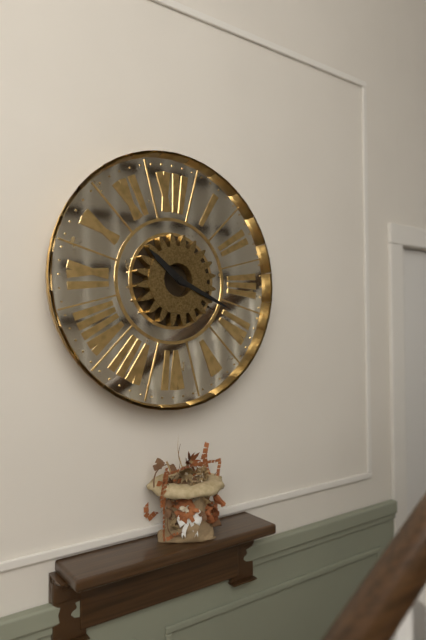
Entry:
h=10 m=19
